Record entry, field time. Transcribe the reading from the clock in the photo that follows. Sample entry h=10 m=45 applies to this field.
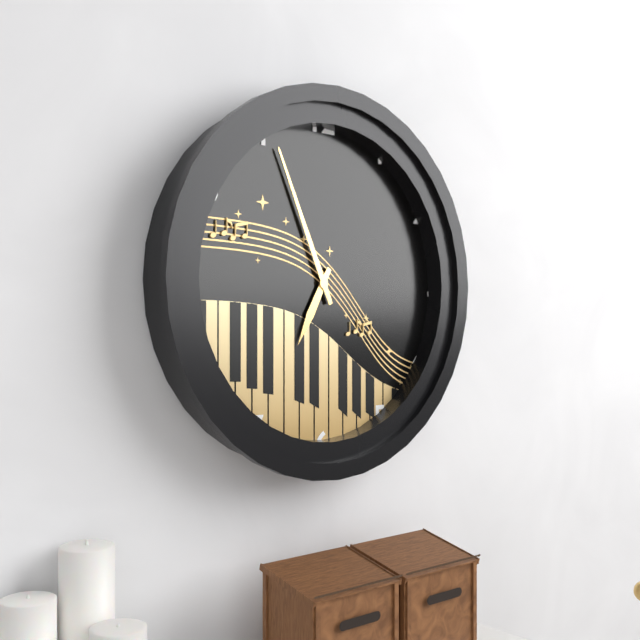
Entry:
h=6 m=56
